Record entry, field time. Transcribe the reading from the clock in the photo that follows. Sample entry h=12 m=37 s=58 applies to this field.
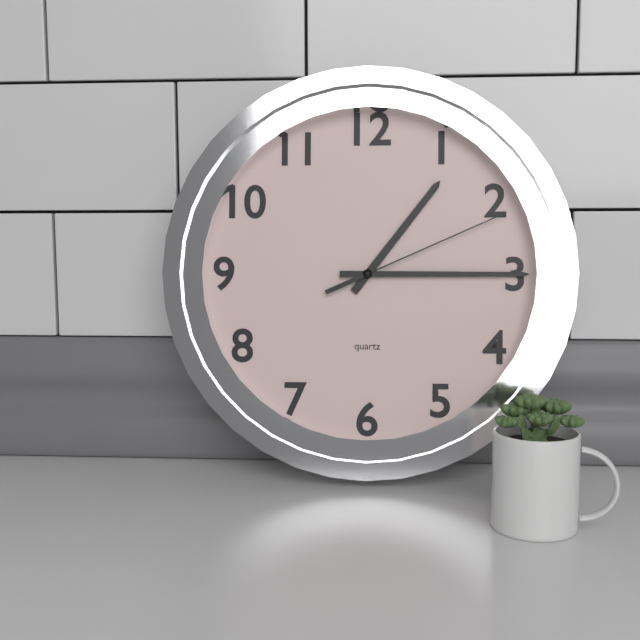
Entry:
h=1 m=15 s=11
